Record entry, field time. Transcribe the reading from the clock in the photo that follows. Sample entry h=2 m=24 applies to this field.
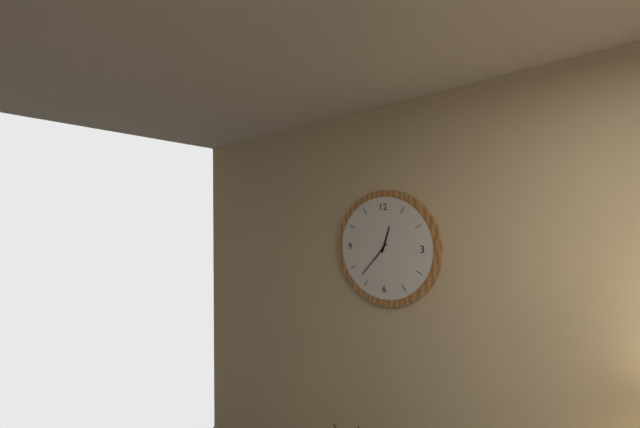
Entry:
h=12 m=37
